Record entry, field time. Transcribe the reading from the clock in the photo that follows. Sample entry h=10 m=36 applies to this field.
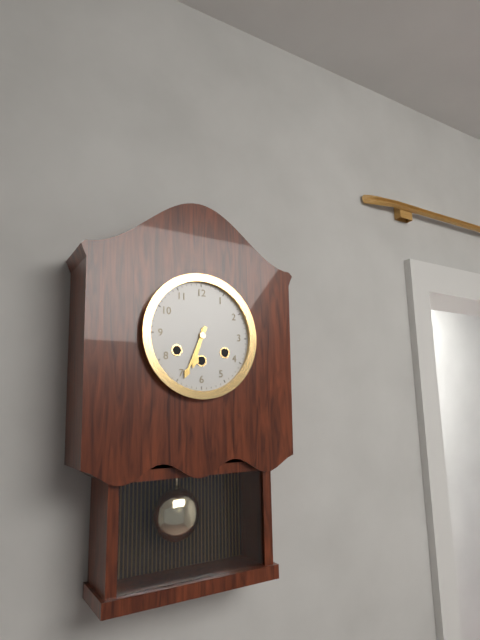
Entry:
h=6 m=34
